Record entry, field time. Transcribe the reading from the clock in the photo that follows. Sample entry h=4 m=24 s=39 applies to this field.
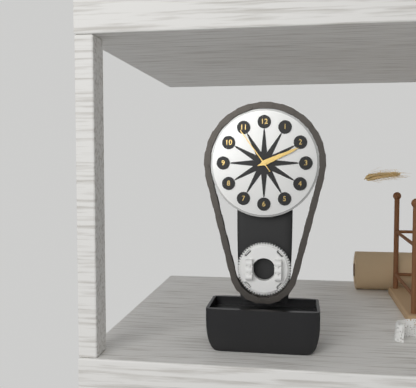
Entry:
h=2 m=11 s=54
